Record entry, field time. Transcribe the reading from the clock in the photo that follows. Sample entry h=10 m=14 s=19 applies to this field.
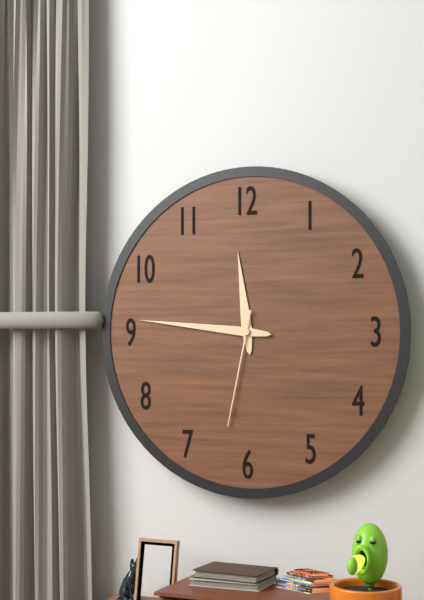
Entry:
h=11 m=46 s=32
